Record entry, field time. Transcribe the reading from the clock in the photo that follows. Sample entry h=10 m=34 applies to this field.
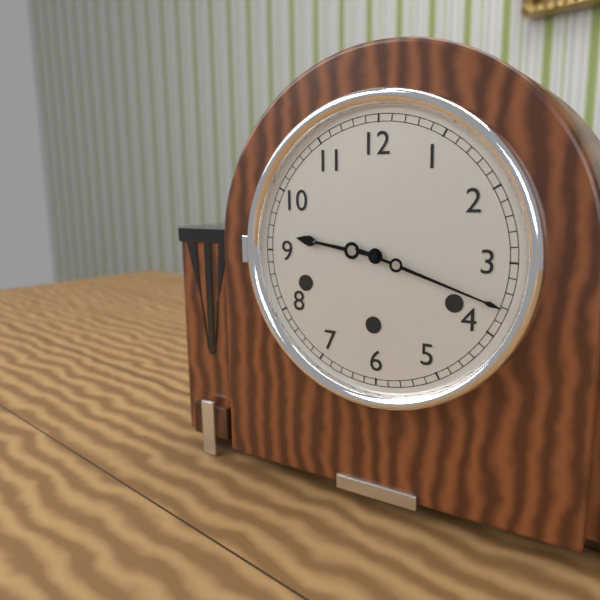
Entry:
h=9 m=18
